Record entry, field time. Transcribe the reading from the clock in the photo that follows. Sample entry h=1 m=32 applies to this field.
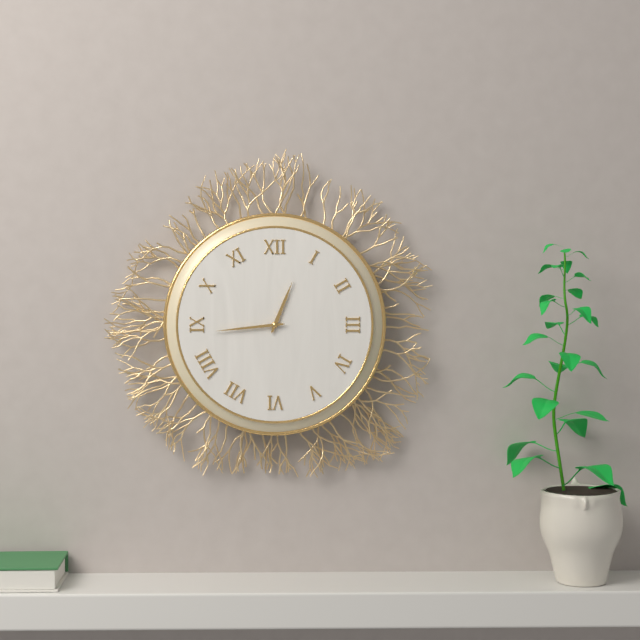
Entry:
h=12 m=44
